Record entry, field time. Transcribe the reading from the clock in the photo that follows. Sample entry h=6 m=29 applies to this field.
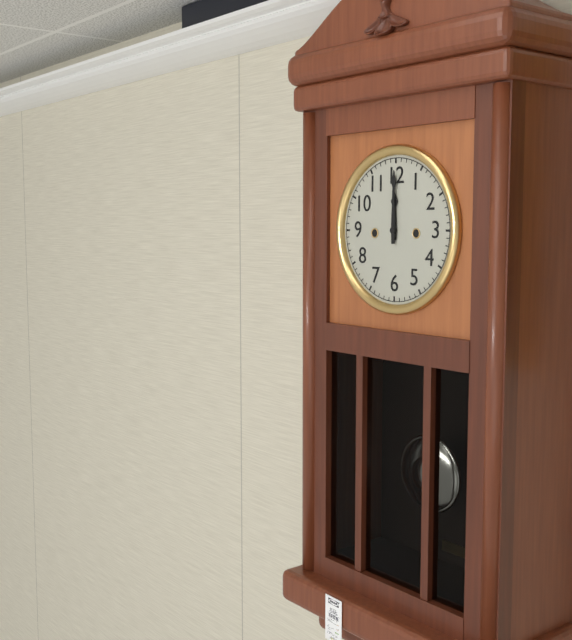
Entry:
h=12 m=0
